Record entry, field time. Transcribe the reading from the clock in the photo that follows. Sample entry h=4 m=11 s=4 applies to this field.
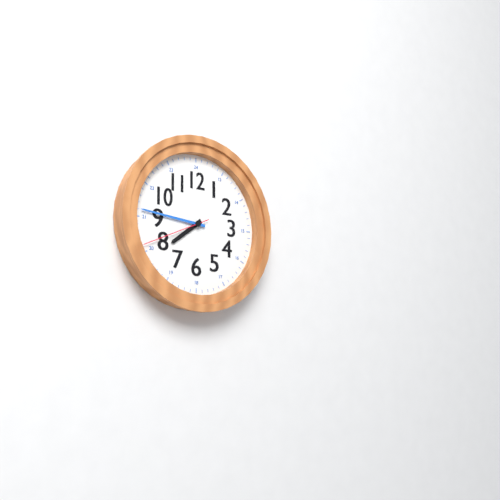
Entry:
h=7 m=46 s=41
